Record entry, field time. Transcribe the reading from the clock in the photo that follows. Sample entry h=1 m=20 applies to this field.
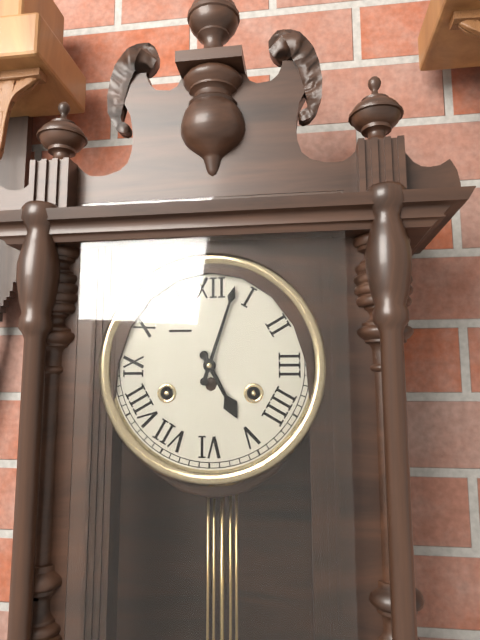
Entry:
h=5 m=3
